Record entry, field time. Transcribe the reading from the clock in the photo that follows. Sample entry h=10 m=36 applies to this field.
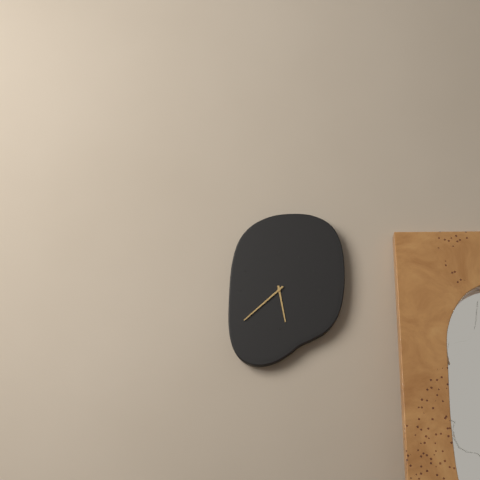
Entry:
h=5 m=38
